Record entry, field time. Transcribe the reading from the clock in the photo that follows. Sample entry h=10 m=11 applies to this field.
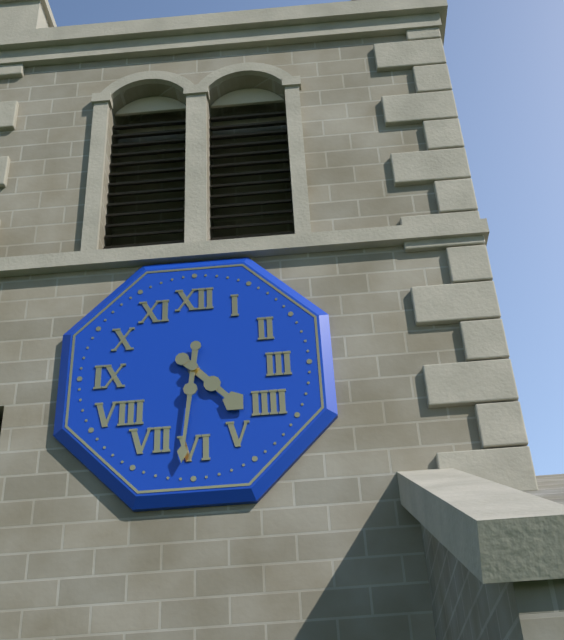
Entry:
h=4 m=31
